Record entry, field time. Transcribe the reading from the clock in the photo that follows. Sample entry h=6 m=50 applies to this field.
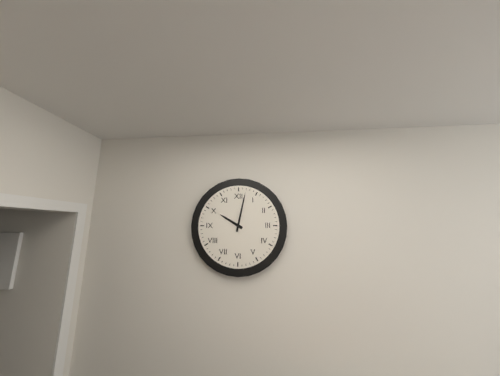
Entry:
h=10 m=2
